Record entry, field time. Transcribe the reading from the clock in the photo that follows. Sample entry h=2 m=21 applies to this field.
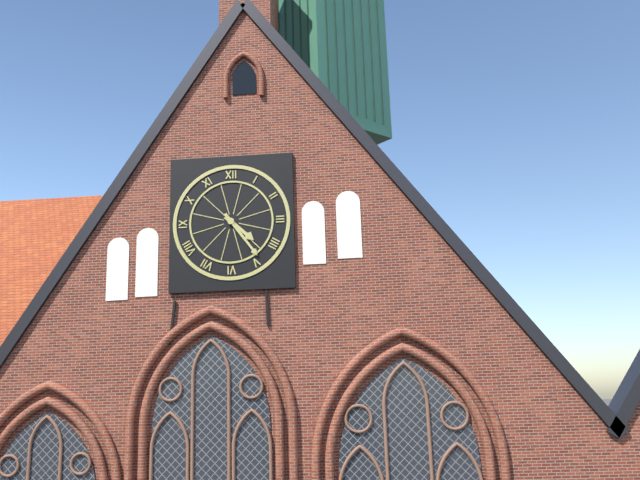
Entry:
h=4 m=24
